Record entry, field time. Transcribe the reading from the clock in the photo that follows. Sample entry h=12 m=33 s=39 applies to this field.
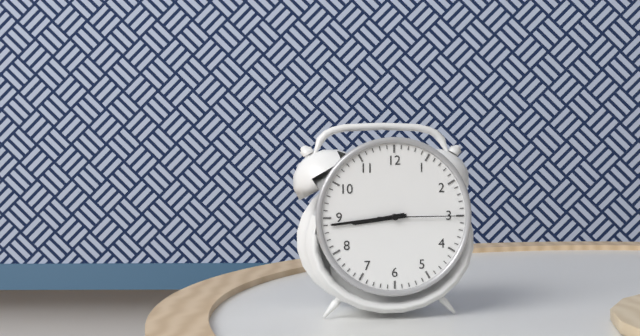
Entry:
h=8 m=44 s=15
